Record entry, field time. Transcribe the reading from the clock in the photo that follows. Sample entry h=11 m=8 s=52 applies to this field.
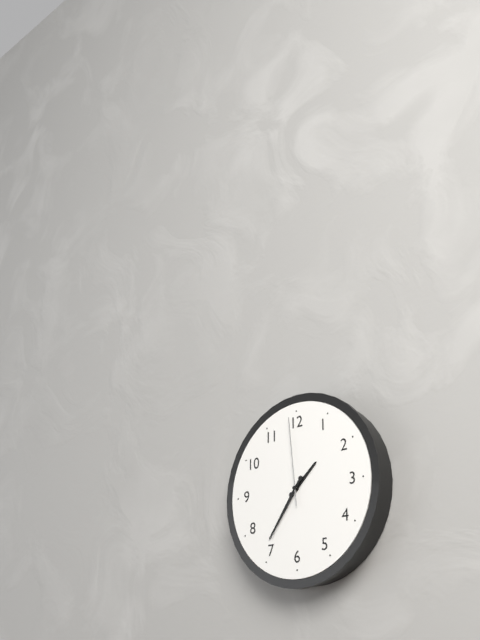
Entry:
h=1 m=36 s=59
